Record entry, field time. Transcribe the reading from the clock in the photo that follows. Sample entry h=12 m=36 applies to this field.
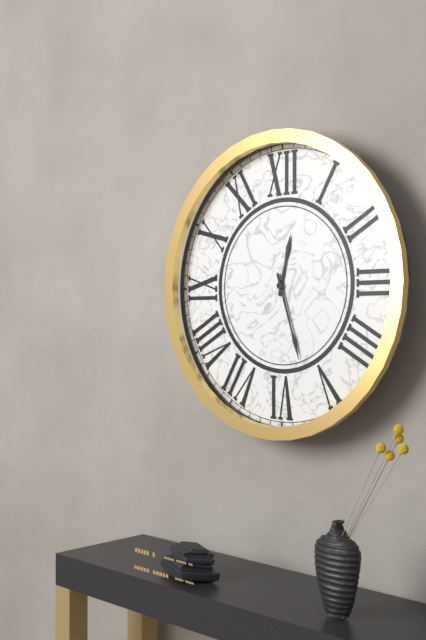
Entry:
h=12 m=27
